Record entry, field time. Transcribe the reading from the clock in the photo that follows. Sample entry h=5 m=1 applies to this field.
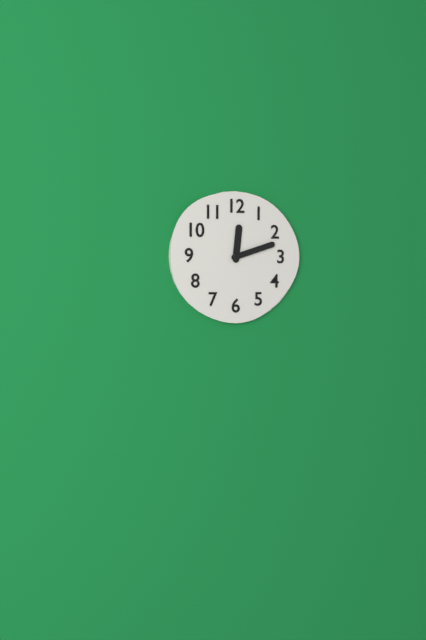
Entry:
h=12 m=12
